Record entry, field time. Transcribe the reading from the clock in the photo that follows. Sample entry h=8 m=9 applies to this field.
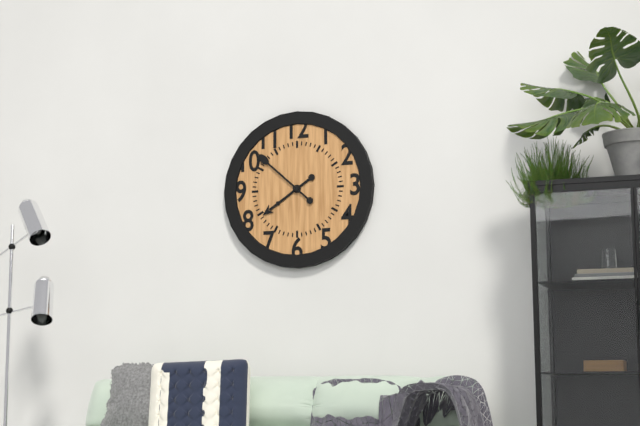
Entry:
h=7 m=52
